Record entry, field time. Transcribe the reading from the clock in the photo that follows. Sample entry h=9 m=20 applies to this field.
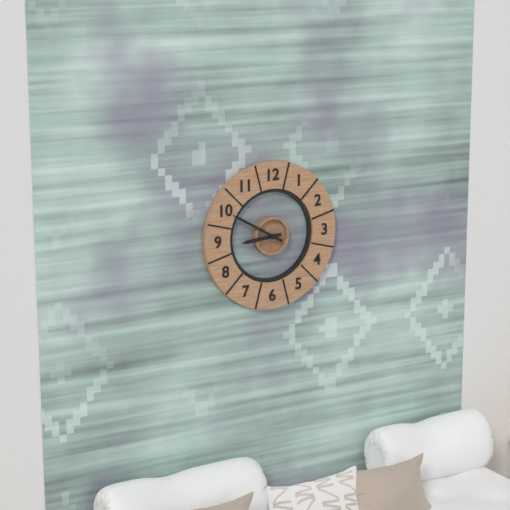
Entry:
h=8 m=50
